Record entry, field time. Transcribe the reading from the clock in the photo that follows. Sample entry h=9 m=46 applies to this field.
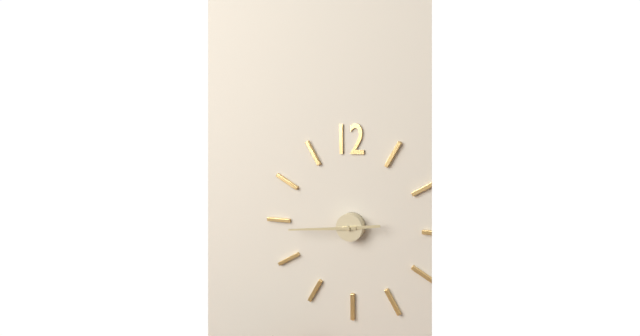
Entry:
h=2 m=44
